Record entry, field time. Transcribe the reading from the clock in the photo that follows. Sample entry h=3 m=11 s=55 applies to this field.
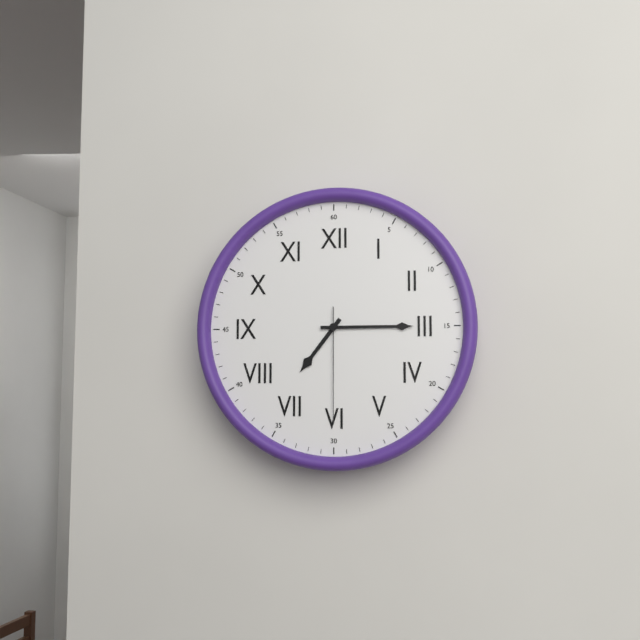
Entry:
h=7 m=15 s=30
